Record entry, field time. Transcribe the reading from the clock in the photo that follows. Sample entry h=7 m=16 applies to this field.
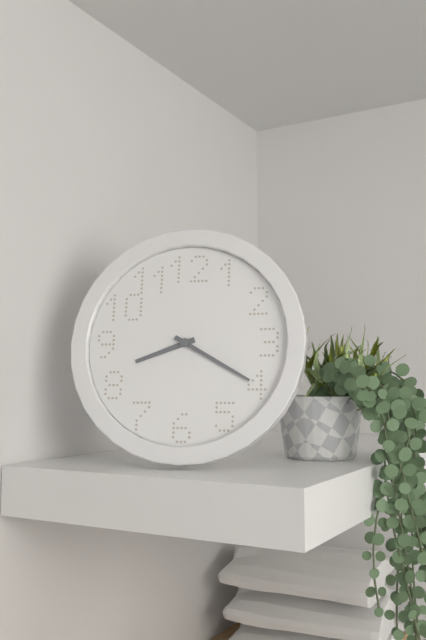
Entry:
h=8 m=20
